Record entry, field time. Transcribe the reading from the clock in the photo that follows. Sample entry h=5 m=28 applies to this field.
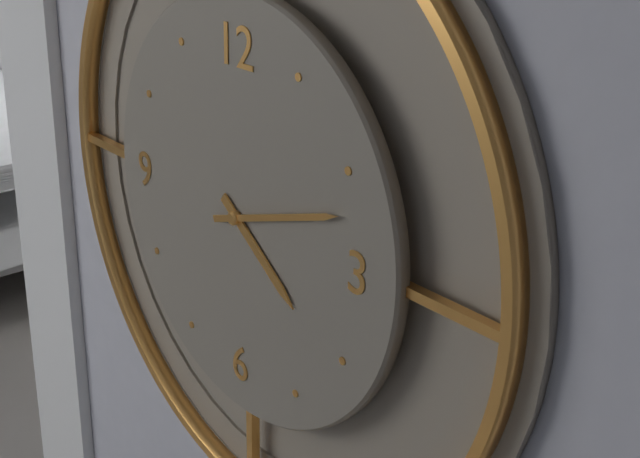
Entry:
h=4 m=12
